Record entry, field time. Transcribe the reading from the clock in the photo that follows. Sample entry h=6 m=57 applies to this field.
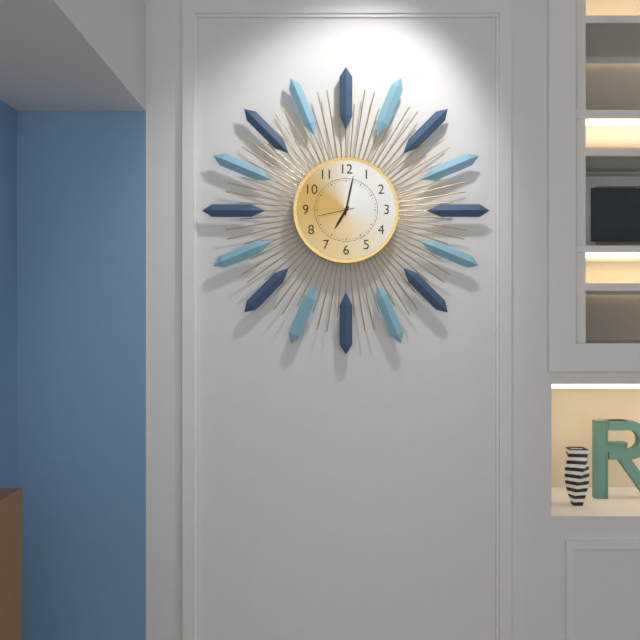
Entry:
h=7 m=2
